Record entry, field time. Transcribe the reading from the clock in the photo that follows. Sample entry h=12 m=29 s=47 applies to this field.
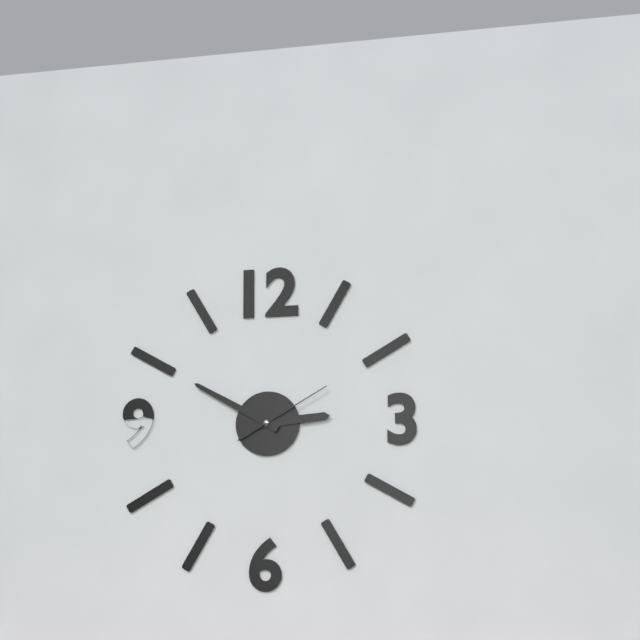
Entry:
h=2 m=50 s=10
